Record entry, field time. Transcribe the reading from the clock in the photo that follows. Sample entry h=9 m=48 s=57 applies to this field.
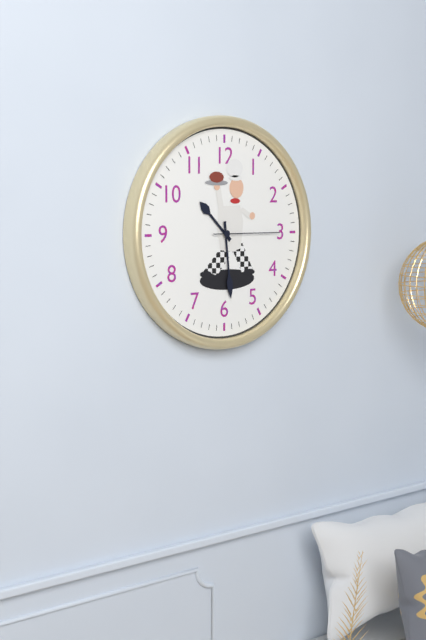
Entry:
h=10 m=29 s=15
